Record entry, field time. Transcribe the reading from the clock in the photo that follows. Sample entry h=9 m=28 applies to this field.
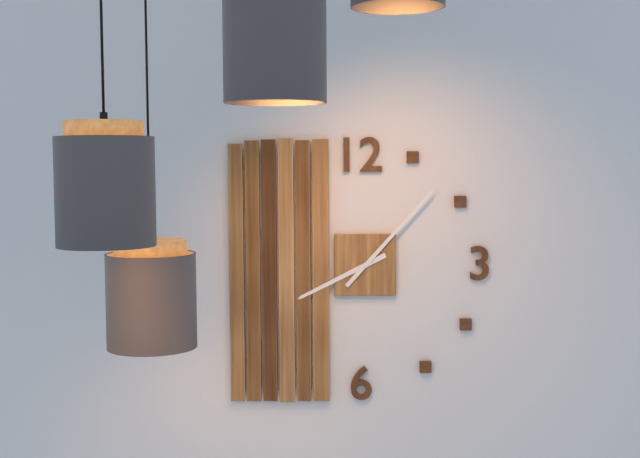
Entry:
h=8 m=7
